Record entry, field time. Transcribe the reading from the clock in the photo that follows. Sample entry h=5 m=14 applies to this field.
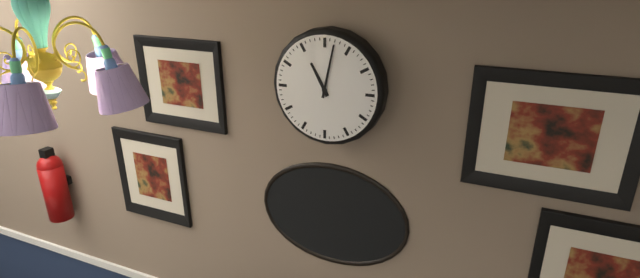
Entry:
h=11 m=2
